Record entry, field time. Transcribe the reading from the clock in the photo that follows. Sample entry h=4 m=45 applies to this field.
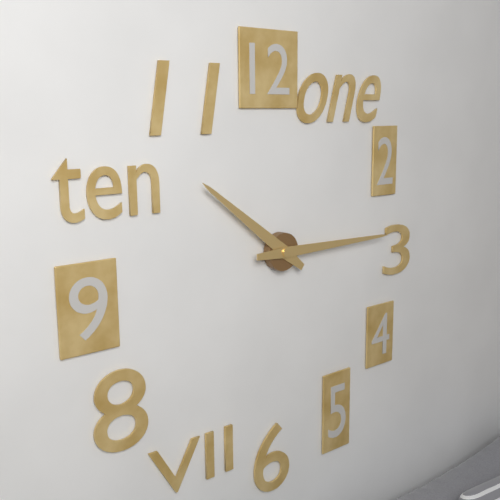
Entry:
h=10 m=15
